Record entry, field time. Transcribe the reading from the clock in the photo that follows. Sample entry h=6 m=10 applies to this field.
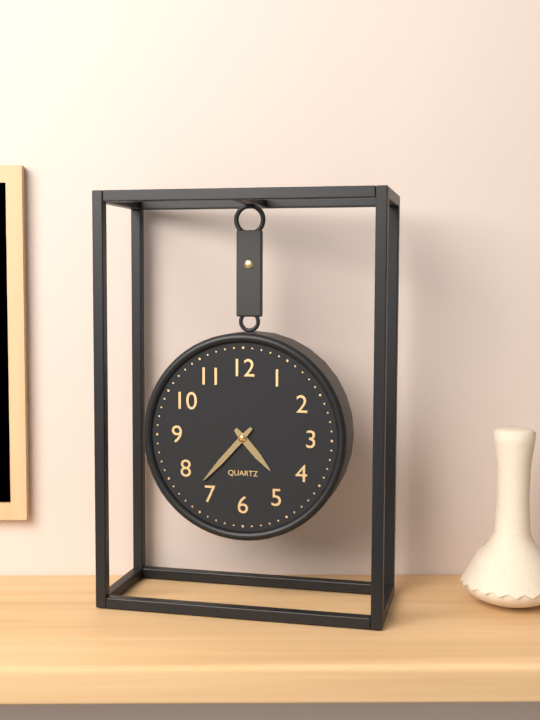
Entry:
h=4 m=37
